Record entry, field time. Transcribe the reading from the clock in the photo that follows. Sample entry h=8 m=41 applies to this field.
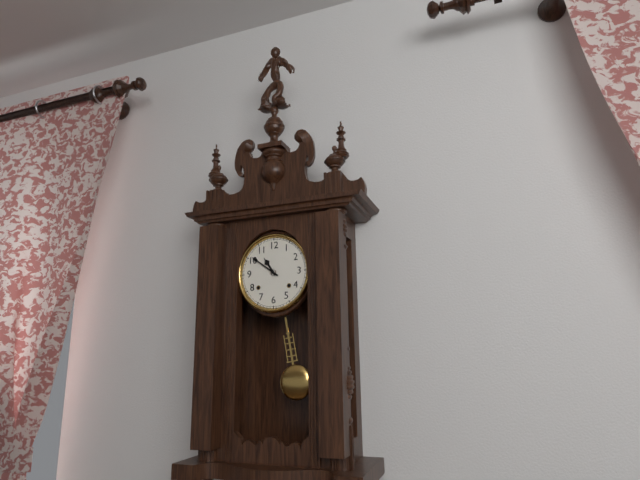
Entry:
h=10 m=51
